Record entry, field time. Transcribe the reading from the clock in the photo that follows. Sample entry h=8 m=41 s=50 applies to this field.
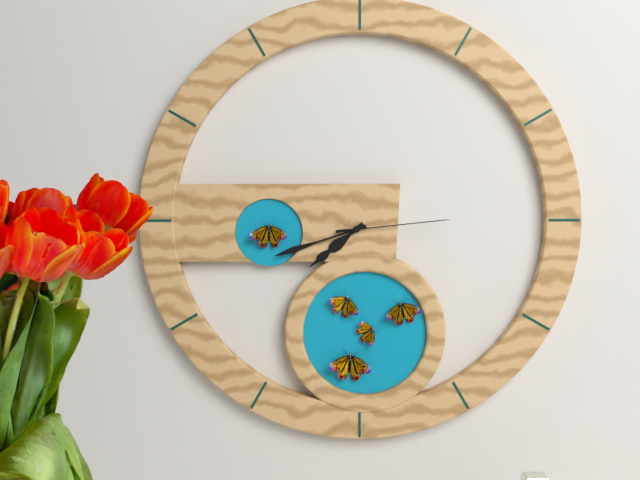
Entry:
h=7 m=42 s=14
